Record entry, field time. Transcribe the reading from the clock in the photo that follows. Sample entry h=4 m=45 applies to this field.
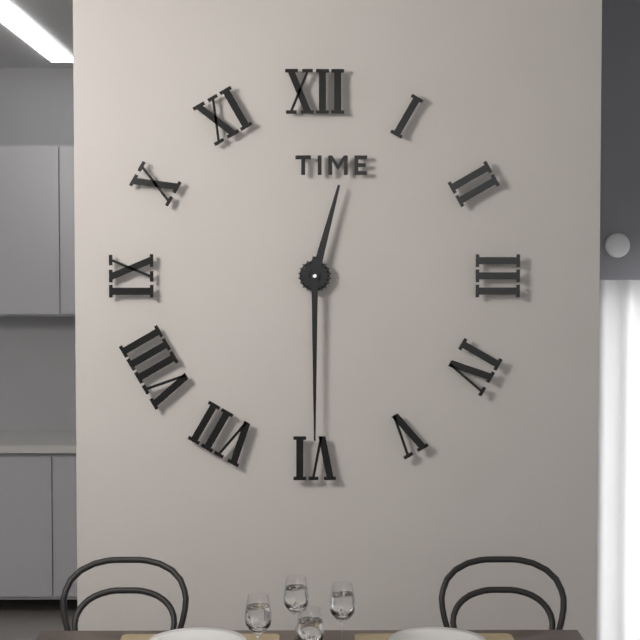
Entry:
h=12 m=30
